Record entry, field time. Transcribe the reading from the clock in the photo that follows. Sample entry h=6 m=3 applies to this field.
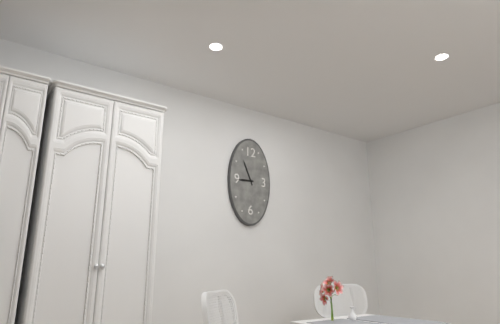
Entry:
h=8 m=56
